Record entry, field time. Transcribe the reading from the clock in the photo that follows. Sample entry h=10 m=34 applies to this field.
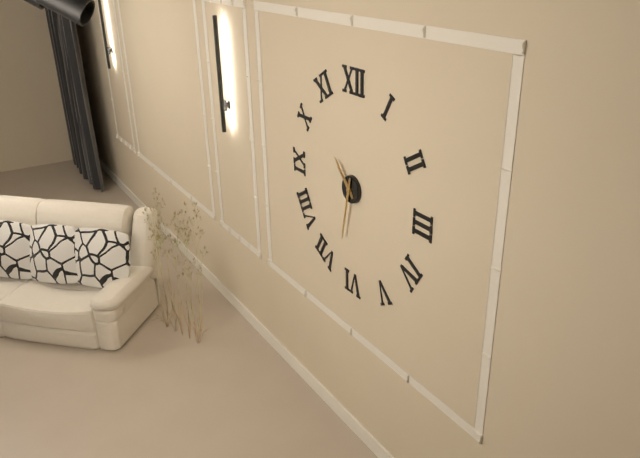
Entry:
h=10 m=32
